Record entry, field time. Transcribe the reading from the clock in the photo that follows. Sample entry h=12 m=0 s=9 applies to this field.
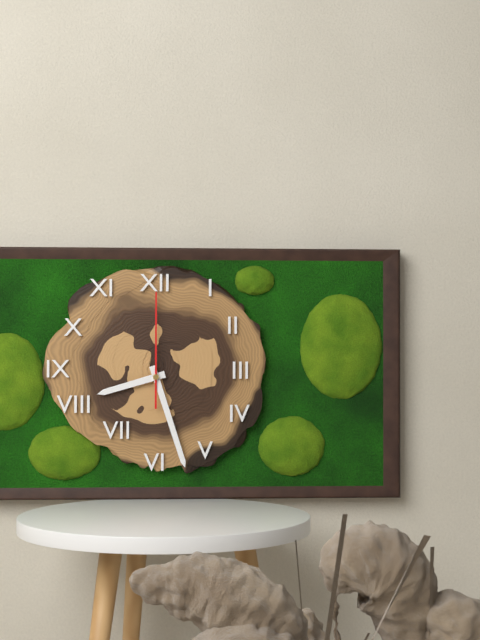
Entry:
h=8 m=27 s=0
